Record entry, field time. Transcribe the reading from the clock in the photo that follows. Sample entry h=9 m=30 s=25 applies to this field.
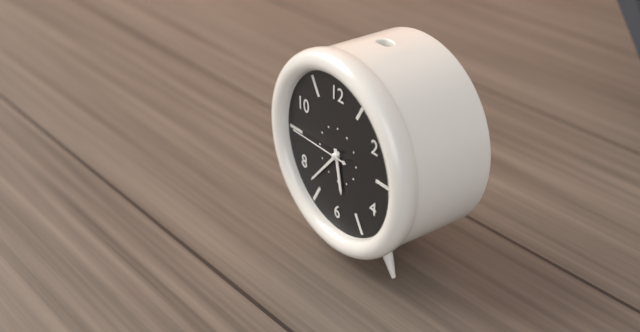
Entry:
h=5 m=37 s=45
